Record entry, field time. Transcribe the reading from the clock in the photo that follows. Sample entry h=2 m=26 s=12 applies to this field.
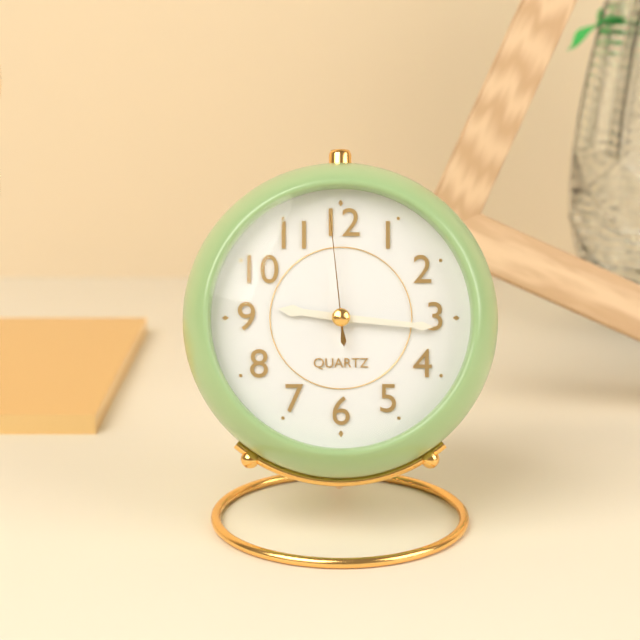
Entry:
h=9 m=16 s=59
